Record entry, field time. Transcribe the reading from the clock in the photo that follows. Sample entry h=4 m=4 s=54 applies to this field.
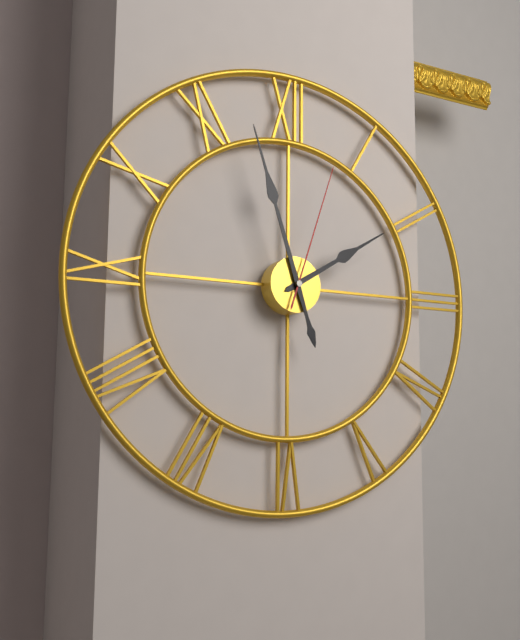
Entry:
h=1 m=57 s=3
